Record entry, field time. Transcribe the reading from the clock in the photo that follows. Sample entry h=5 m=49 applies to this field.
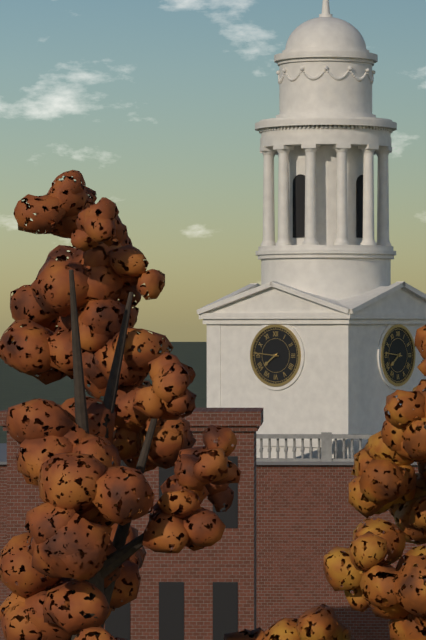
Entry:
h=7 m=46
